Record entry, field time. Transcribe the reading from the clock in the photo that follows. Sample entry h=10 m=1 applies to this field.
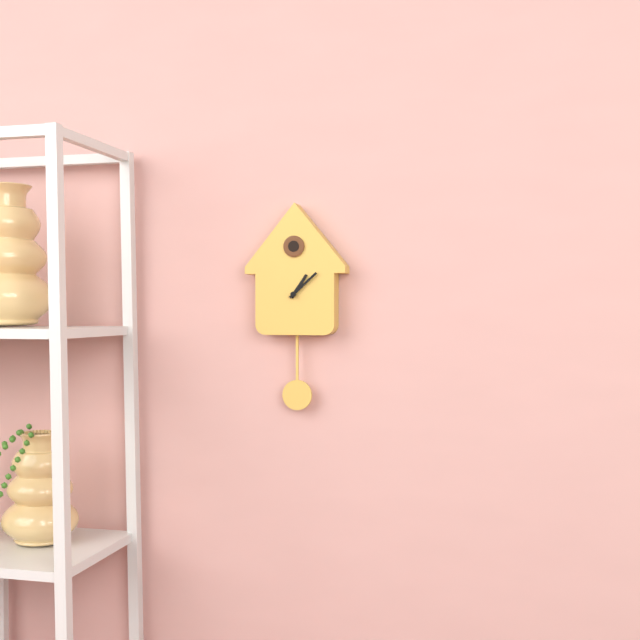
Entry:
h=1 m=8
